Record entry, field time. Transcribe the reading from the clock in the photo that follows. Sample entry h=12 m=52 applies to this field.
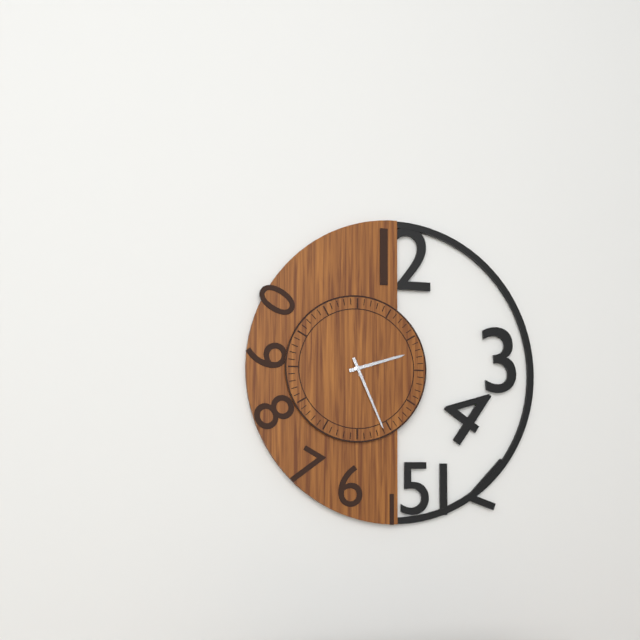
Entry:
h=2 m=26
